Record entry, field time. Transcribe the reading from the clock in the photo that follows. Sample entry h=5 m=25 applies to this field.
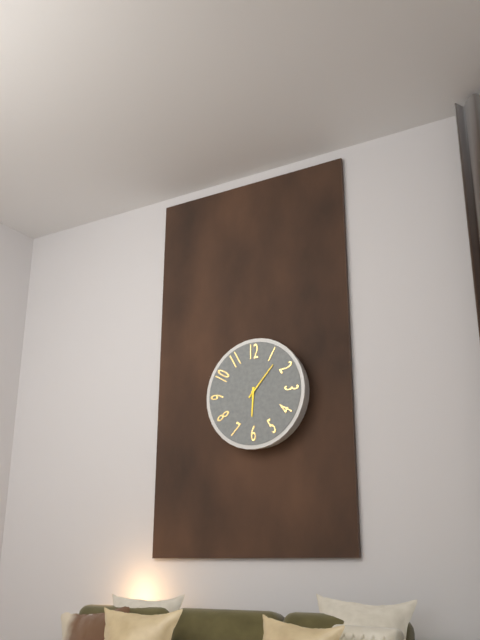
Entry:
h=6 m=7
